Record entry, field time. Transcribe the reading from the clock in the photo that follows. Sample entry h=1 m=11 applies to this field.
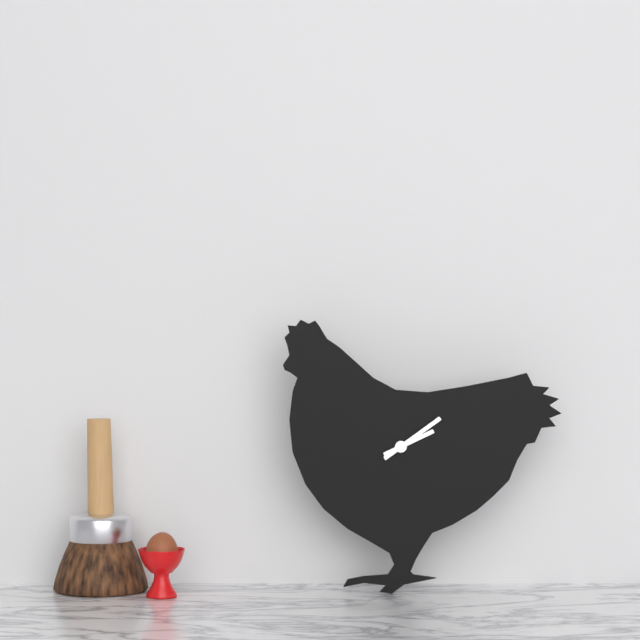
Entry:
h=2 m=9
